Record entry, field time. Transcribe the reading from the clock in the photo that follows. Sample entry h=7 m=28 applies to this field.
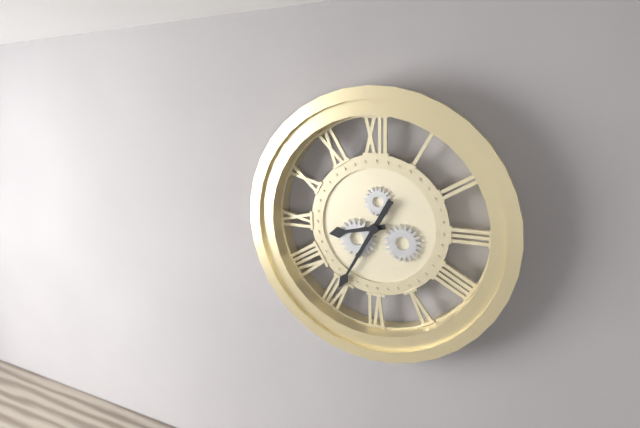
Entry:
h=8 m=35
